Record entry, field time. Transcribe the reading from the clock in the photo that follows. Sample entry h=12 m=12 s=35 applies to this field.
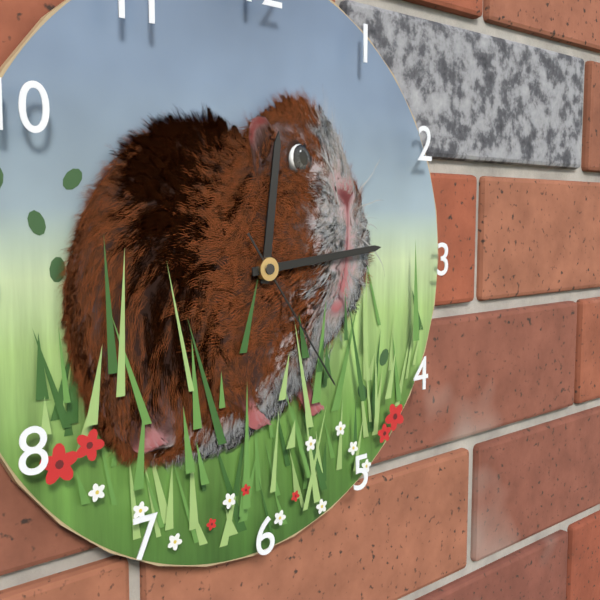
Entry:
h=12 m=14 s=24
